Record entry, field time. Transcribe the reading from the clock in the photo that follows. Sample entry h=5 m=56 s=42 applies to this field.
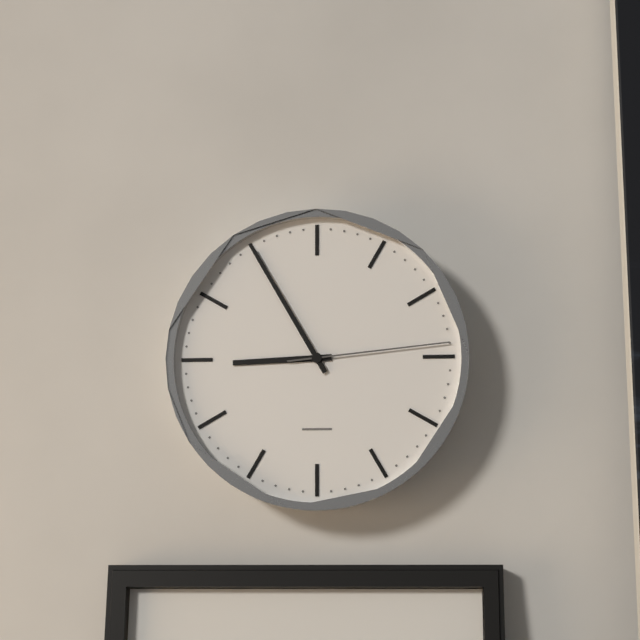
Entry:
h=8 m=55 s=14
